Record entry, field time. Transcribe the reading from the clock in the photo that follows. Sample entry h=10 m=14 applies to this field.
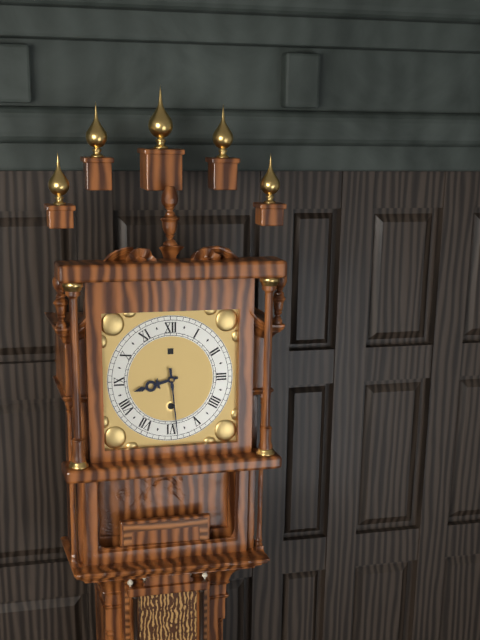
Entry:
h=8 m=29
